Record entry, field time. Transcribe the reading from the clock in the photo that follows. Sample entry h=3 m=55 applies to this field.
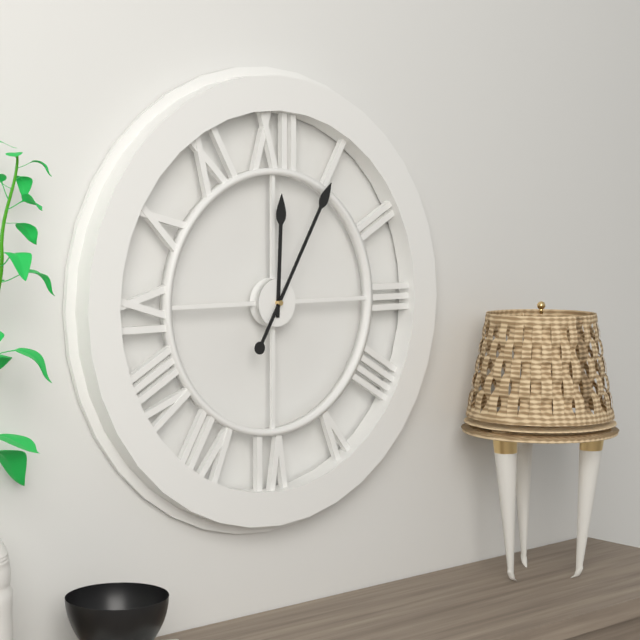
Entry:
h=12 m=5
